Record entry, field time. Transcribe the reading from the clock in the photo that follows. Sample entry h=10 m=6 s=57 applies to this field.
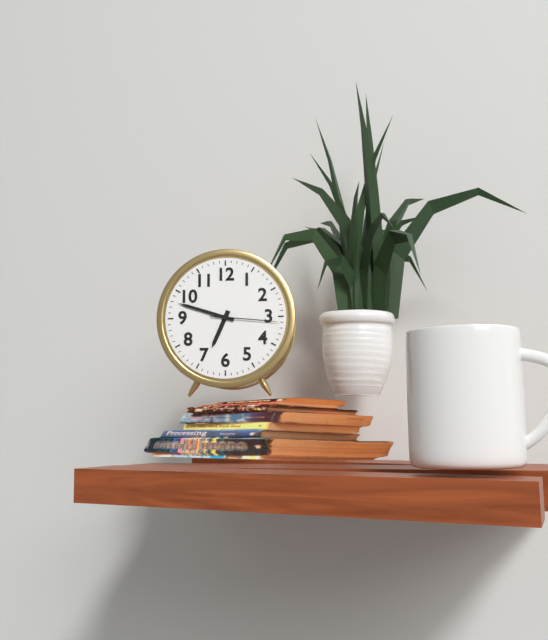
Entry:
h=6 m=48 s=16
